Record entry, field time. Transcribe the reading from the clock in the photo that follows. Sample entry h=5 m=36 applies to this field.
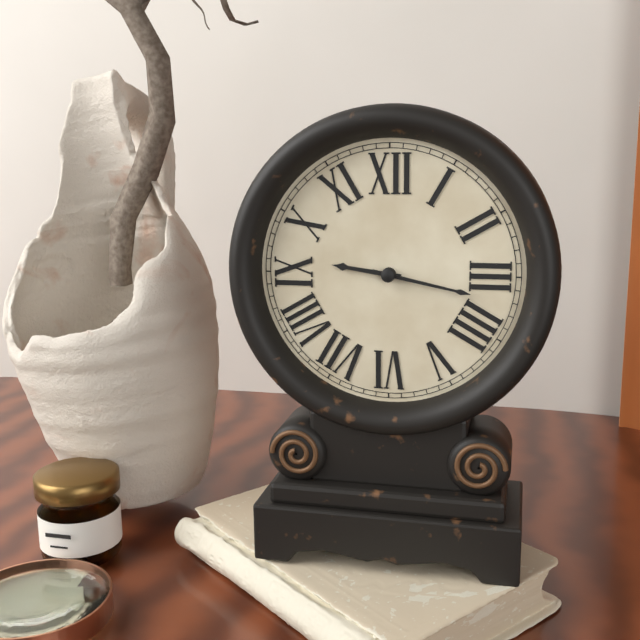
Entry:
h=9 m=17
